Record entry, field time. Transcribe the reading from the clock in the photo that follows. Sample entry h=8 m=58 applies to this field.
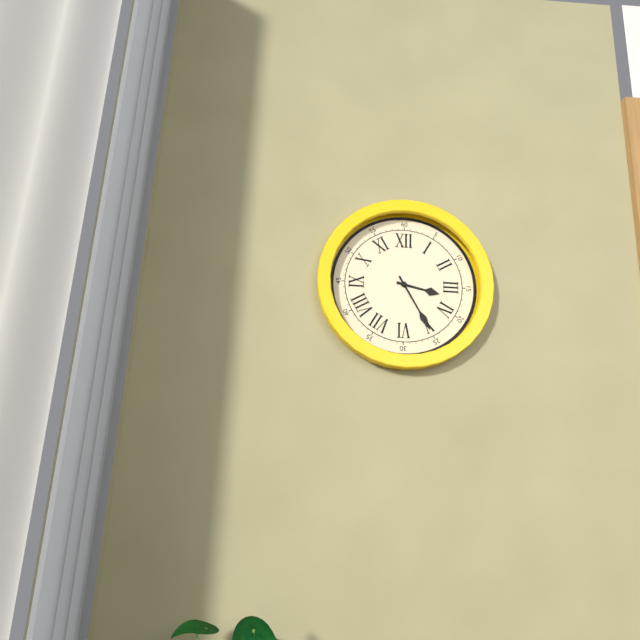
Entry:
h=3 m=25
